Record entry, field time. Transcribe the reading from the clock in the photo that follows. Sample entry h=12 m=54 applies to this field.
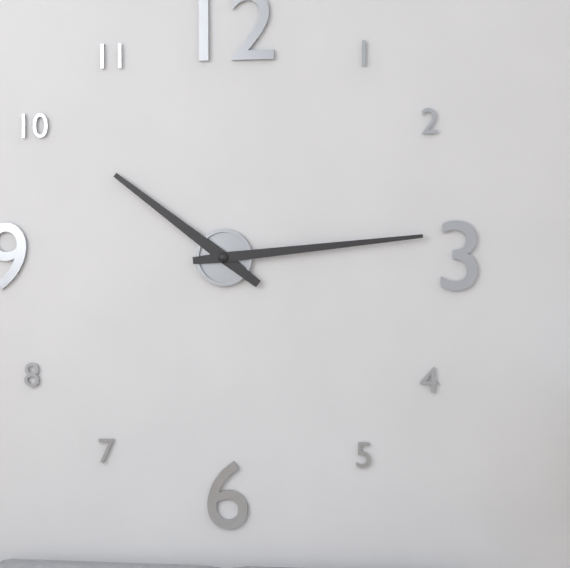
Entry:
h=10 m=14
